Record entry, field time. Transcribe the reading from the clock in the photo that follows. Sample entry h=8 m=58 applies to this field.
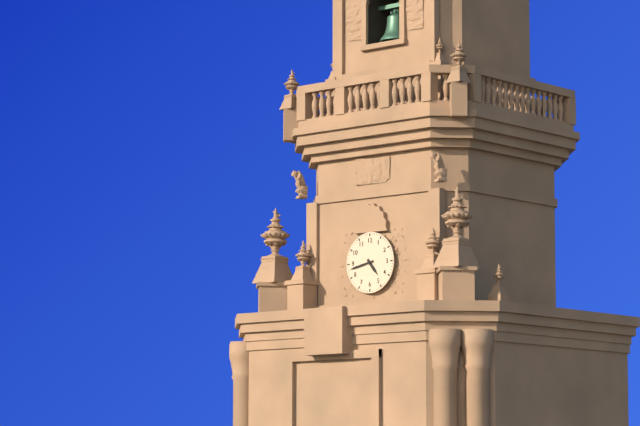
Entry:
h=4 m=43
